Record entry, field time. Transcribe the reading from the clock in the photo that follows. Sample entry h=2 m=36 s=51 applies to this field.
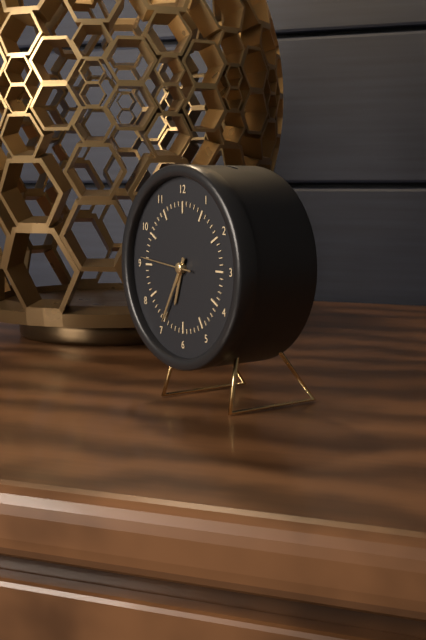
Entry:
h=6 m=35 s=46
